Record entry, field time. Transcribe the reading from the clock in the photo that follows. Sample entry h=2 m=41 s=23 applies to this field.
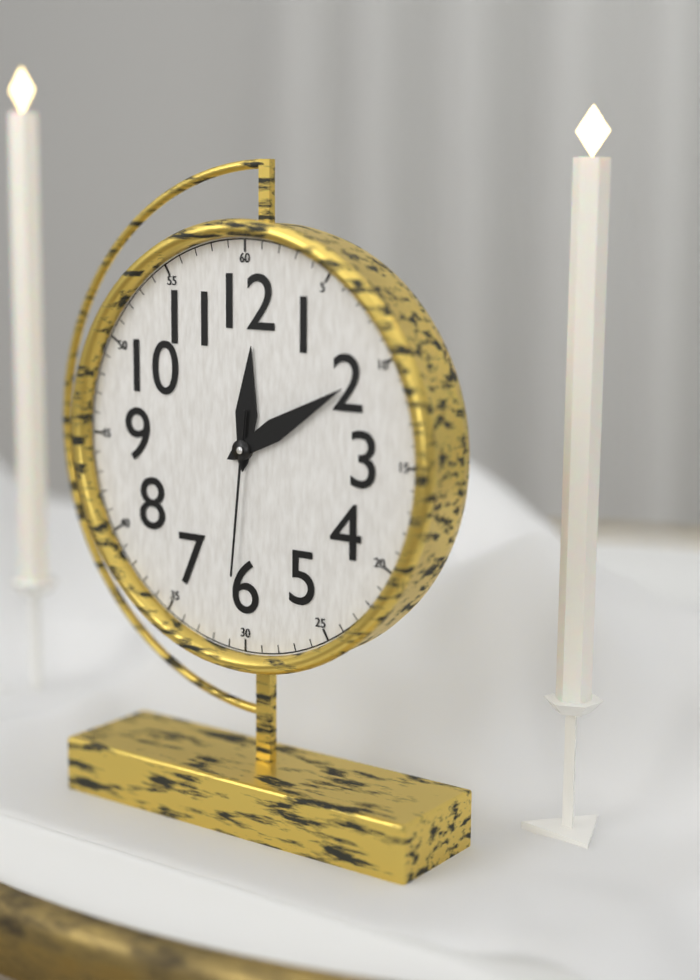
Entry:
h=12 m=10 s=31
